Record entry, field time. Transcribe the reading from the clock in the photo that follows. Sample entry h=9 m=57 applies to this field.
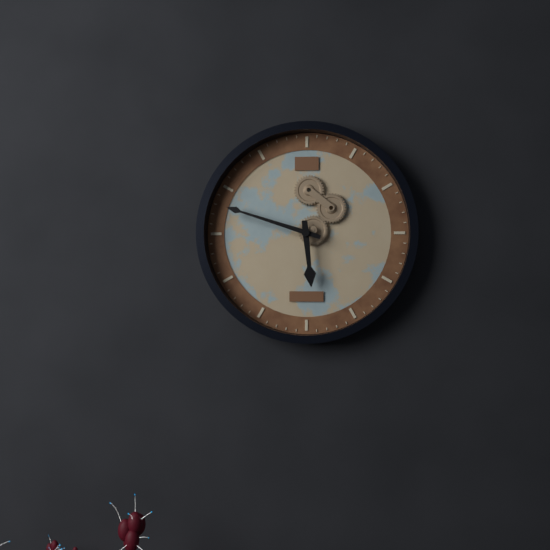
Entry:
h=5 m=48
